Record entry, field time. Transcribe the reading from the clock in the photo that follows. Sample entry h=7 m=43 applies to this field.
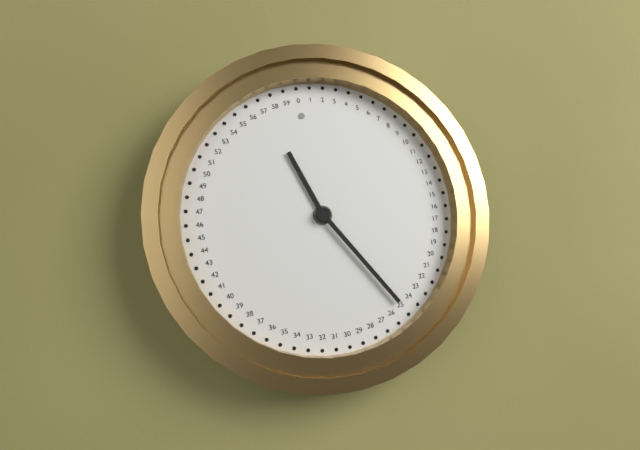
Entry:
h=11 m=25
